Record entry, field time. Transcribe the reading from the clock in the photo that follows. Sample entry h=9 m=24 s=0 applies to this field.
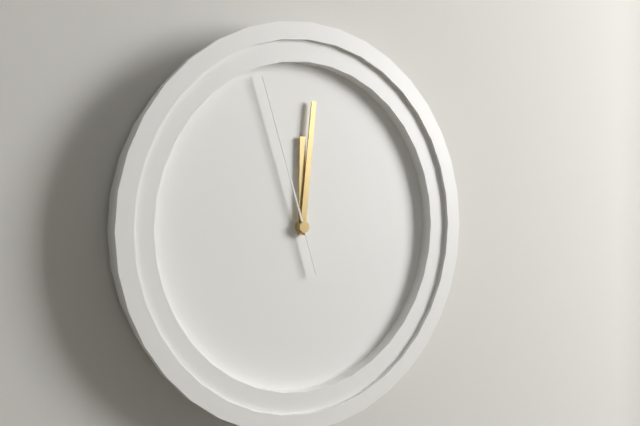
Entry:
h=12 m=1 s=57
